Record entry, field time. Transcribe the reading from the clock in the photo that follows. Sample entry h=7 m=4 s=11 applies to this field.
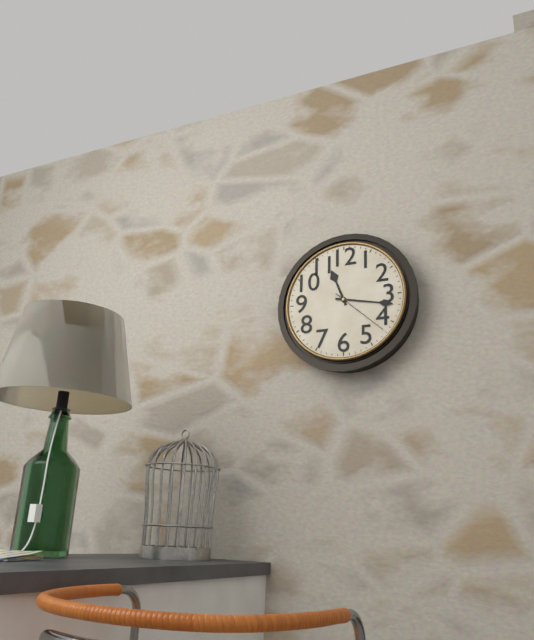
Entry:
h=11 m=17 s=22
